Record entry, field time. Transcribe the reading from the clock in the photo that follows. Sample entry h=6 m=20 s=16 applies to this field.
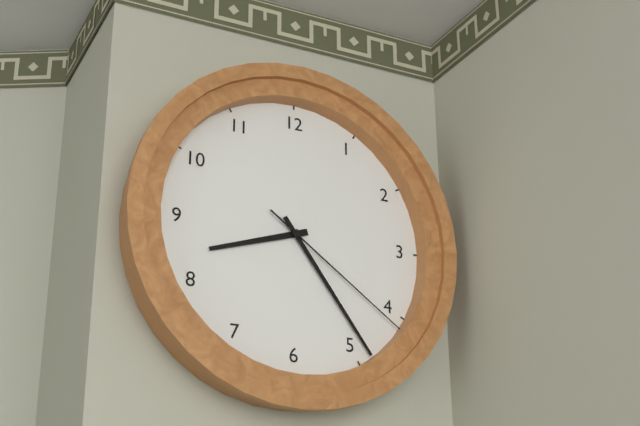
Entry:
h=8 m=24 s=21
